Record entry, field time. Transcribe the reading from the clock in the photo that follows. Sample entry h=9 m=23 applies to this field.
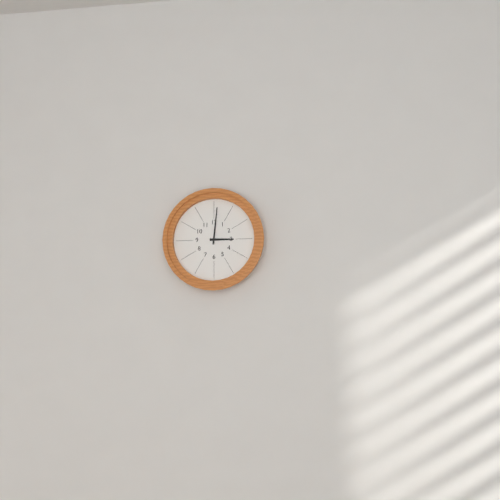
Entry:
h=3 m=1
